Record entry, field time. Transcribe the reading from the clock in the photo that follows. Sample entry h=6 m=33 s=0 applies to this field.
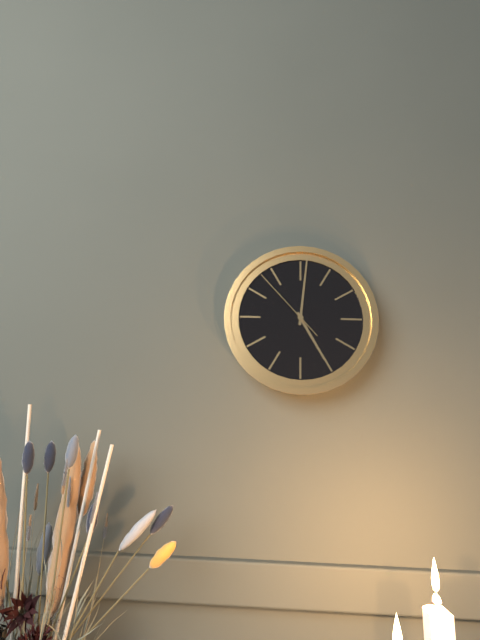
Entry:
h=5 m=1 s=53
